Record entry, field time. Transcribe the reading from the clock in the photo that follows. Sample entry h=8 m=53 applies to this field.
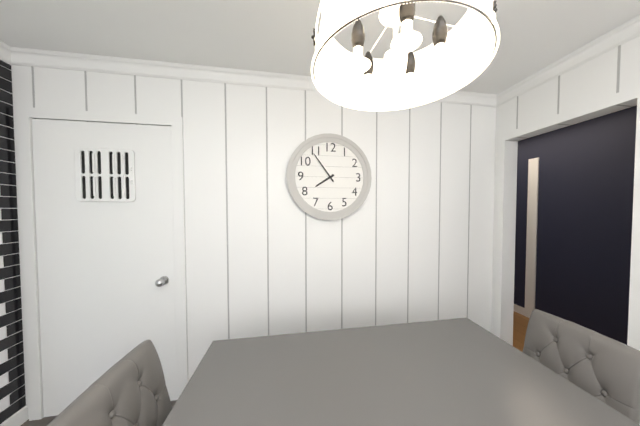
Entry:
h=7 m=54
